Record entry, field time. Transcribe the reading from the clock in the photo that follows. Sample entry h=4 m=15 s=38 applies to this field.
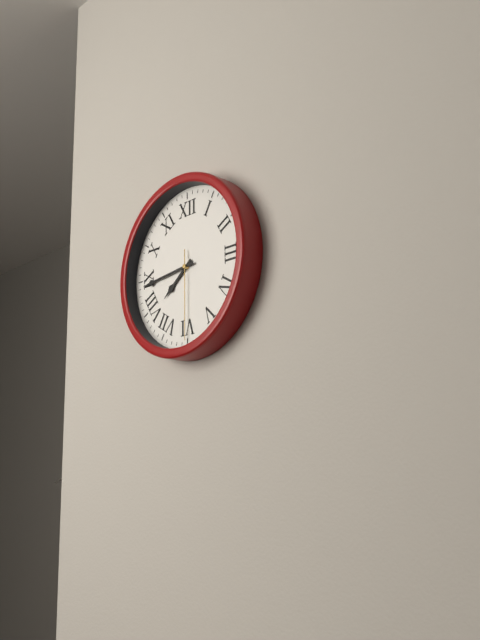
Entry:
h=7 m=44 s=30
